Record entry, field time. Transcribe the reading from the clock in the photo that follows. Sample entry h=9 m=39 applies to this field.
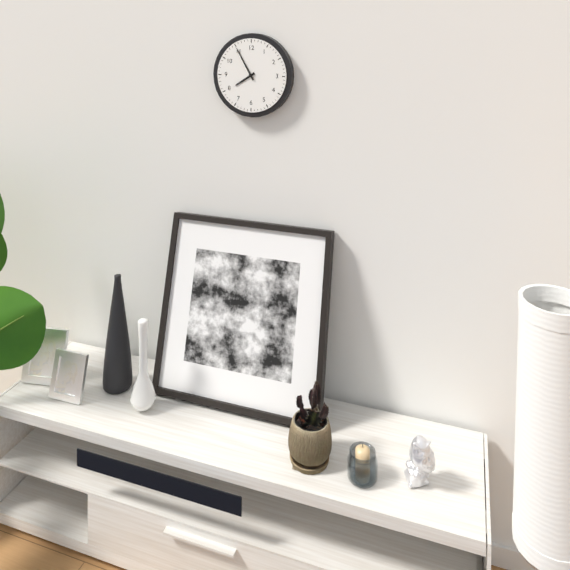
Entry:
h=7 m=55
